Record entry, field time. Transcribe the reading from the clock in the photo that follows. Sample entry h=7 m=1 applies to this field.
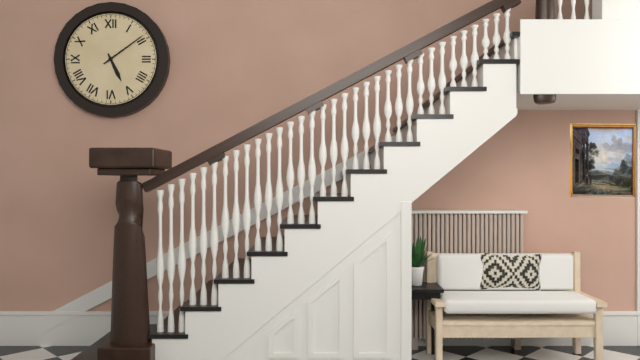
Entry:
h=5 m=9
